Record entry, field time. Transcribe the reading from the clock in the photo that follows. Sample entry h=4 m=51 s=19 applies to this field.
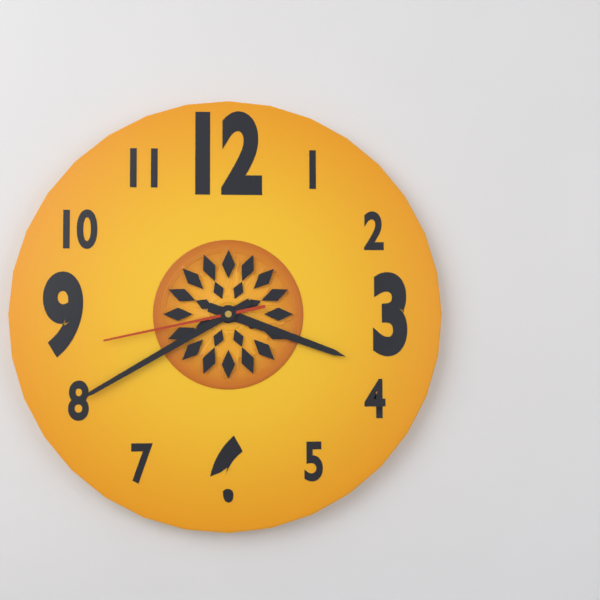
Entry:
h=3 m=40 s=43
